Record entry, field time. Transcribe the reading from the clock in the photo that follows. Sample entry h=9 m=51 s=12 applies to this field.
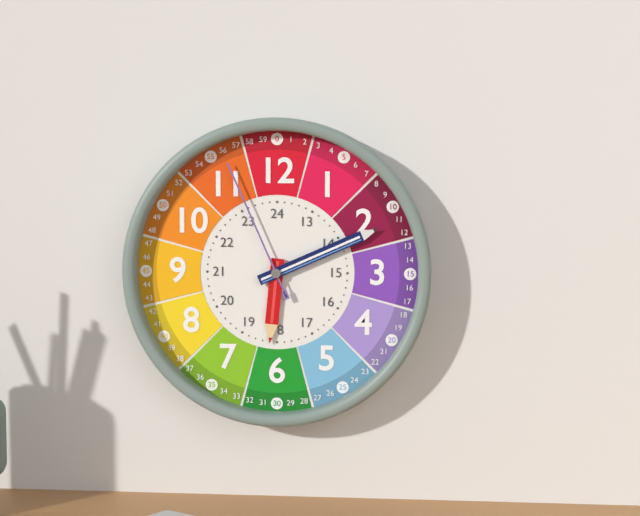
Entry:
h=6 m=11 s=56
